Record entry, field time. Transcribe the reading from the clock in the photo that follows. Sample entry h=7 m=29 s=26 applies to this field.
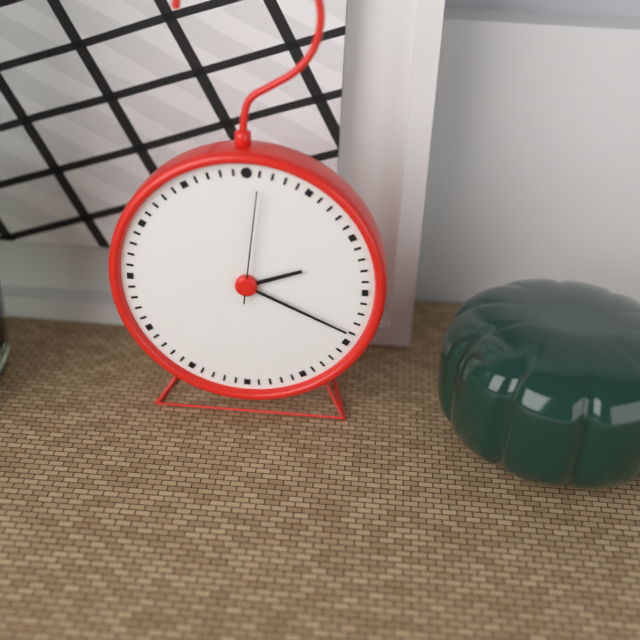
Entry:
h=2 m=19 s=1
